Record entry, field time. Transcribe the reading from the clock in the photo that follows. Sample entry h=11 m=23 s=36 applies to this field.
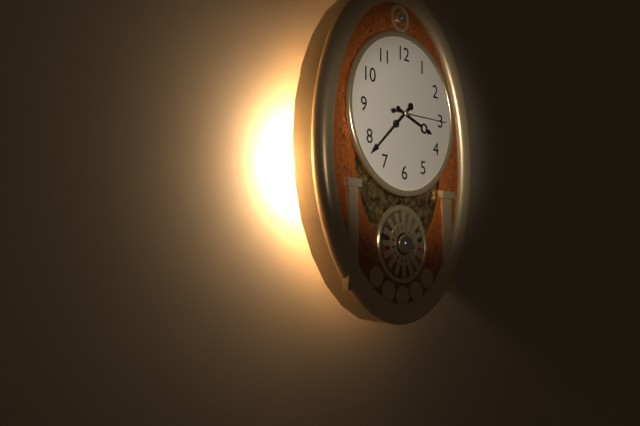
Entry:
h=3 m=38 s=15
